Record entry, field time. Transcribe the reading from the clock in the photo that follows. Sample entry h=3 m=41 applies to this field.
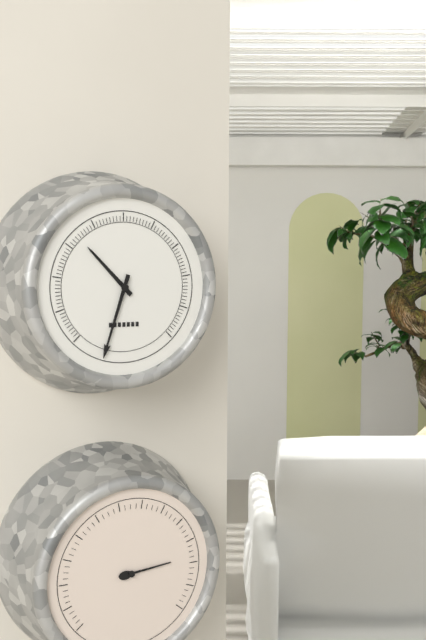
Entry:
h=10 m=33
